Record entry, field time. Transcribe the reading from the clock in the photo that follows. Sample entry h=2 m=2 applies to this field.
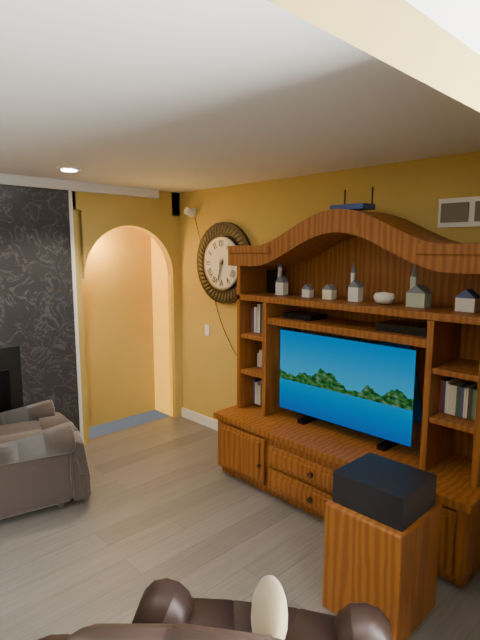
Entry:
h=6 m=32
